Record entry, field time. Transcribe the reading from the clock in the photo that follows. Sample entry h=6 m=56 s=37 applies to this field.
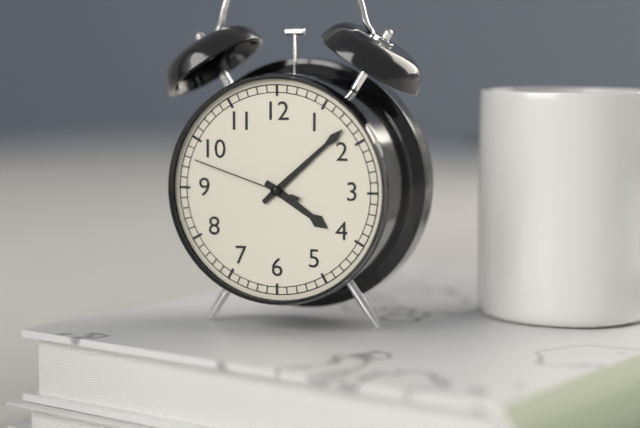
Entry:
h=4 m=8 s=48
